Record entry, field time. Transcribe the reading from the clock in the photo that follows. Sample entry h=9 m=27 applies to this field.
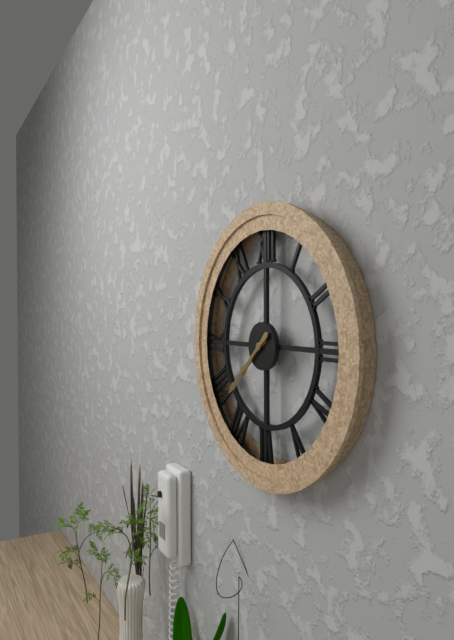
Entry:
h=7 m=38
